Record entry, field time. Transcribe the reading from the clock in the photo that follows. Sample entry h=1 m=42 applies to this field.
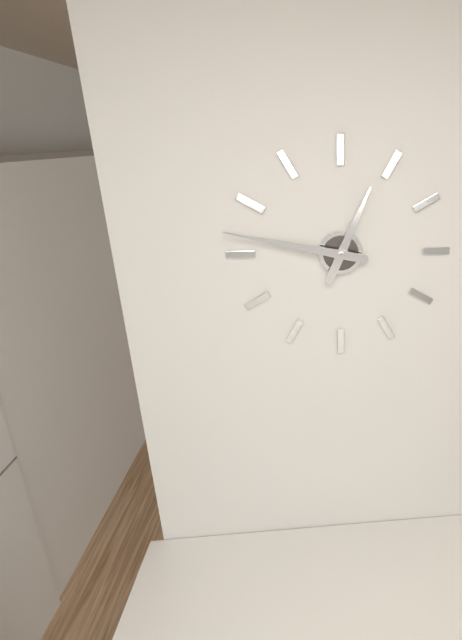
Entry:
h=12 m=47
